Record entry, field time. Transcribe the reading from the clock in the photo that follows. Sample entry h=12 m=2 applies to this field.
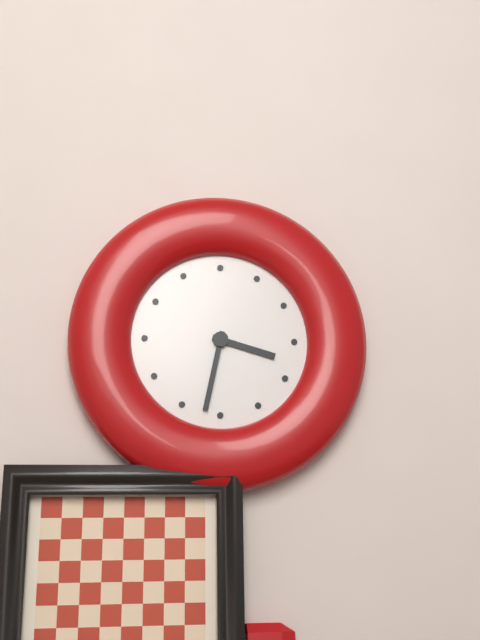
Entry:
h=3 m=32
